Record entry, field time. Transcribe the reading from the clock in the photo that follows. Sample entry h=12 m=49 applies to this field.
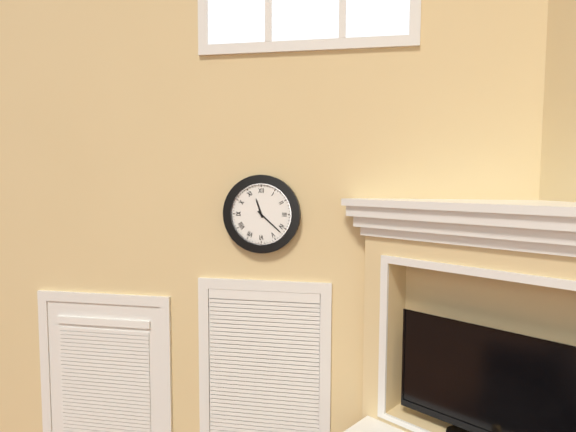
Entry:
h=11 m=22
